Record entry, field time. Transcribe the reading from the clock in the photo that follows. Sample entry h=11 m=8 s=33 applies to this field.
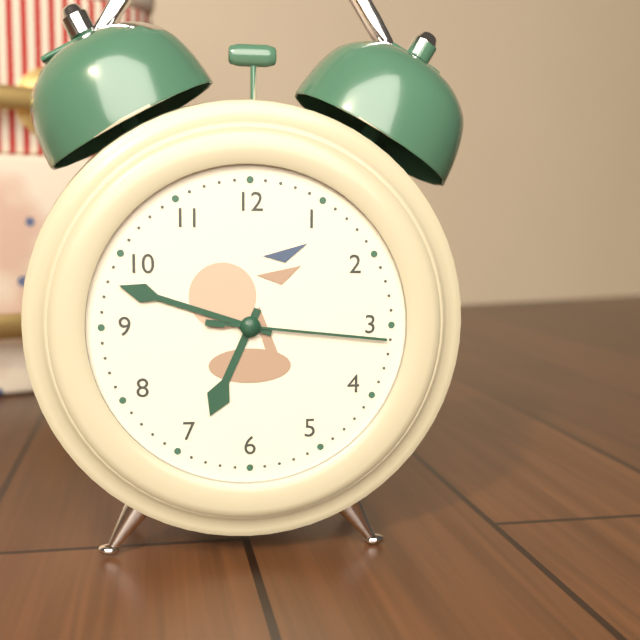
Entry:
h=6 m=48 s=16
